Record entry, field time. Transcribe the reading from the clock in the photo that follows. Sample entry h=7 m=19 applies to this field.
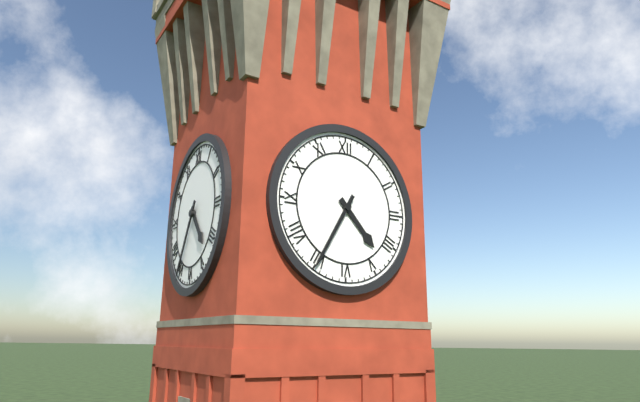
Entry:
h=4 m=35
